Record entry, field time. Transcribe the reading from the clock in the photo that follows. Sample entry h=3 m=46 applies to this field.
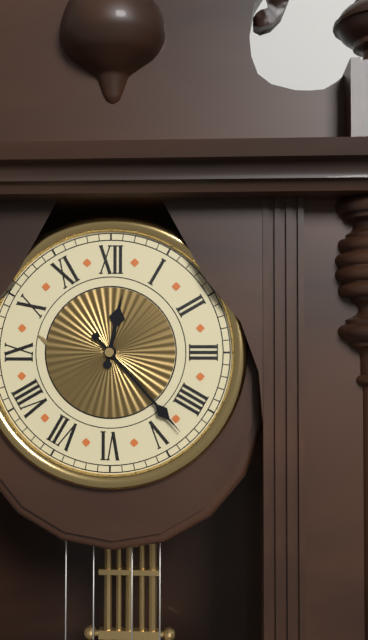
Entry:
h=12 m=23
